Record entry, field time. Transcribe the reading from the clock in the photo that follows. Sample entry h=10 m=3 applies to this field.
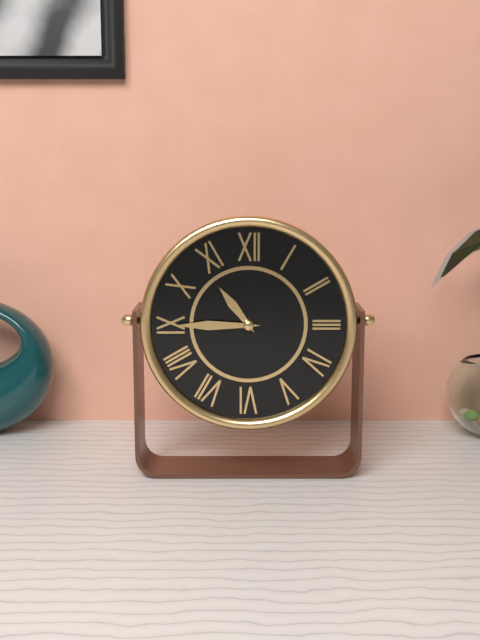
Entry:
h=10 m=45
